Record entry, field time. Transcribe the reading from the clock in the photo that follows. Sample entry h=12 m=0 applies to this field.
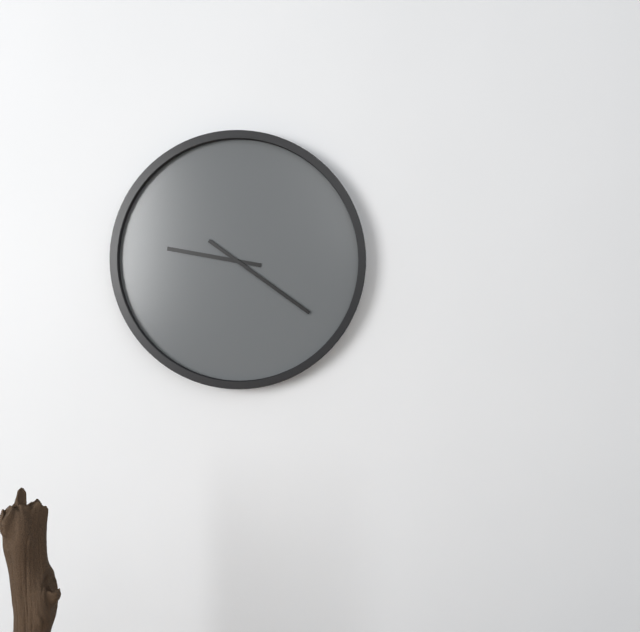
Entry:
h=9 m=21
